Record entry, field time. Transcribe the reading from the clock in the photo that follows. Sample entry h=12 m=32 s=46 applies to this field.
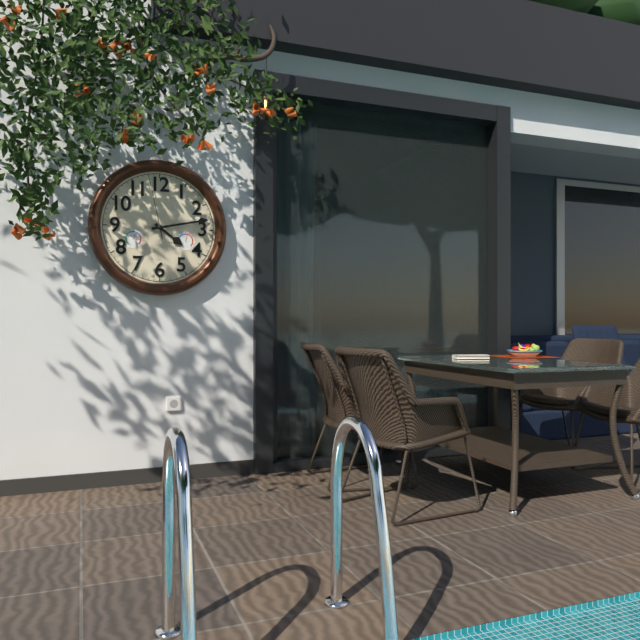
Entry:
h=4 m=13 s=58
